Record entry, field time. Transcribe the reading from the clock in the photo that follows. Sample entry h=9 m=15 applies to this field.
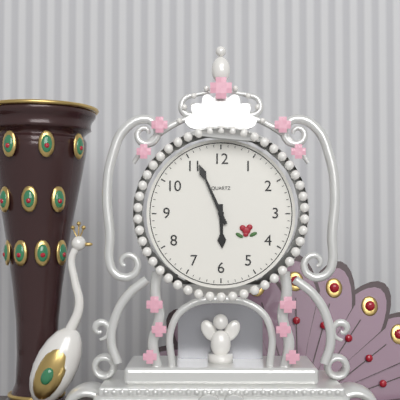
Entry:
h=5 m=56
